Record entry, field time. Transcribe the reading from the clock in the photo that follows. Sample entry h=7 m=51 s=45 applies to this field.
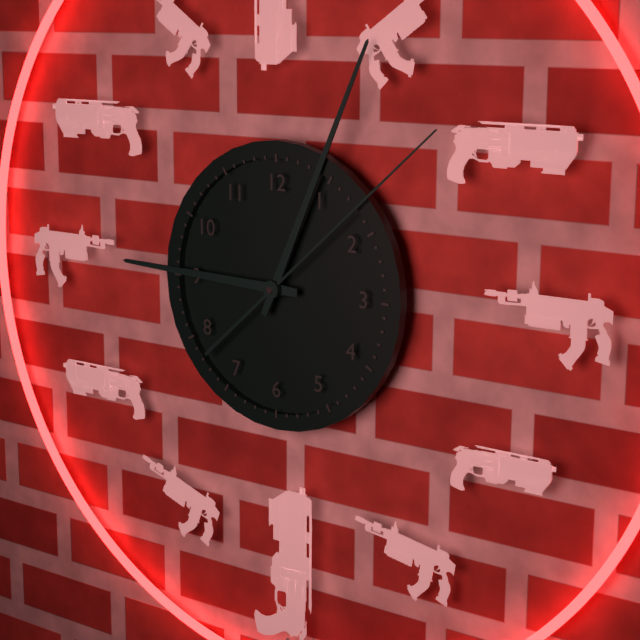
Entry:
h=9 m=4 s=8
